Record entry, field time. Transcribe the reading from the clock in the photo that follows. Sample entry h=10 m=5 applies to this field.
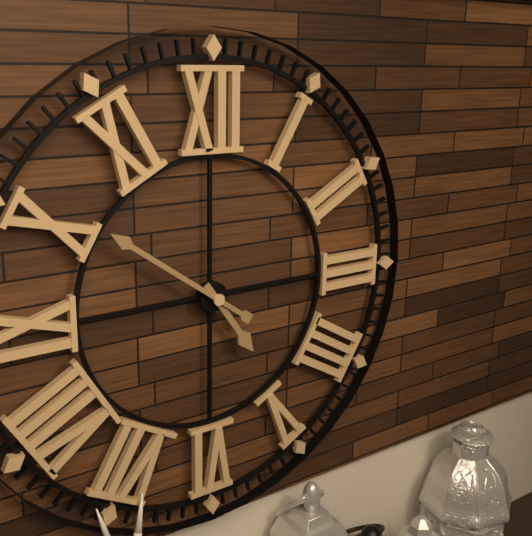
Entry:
h=4 m=51
